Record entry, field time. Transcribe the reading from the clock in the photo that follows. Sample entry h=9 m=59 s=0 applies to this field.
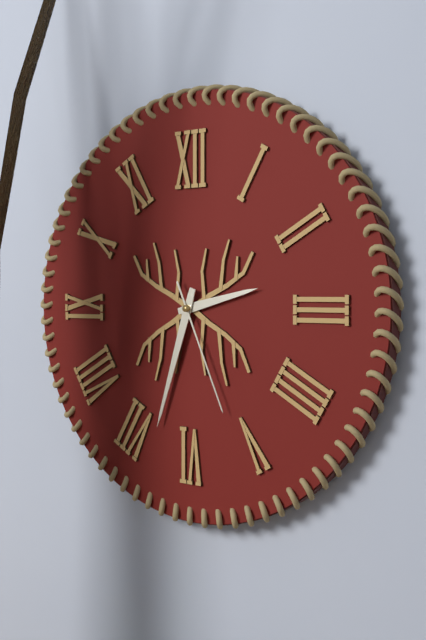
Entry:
h=2 m=33 s=26
